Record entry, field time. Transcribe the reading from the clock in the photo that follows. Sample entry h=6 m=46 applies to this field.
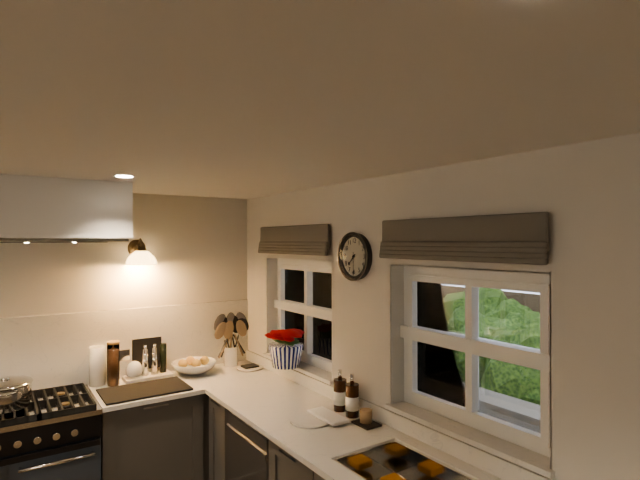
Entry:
h=7 m=30
